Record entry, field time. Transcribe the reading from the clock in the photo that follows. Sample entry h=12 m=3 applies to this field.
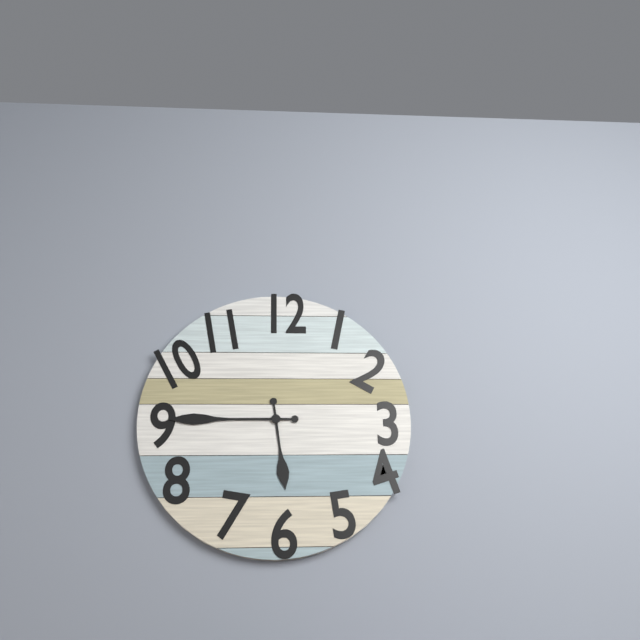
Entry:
h=5 m=45
